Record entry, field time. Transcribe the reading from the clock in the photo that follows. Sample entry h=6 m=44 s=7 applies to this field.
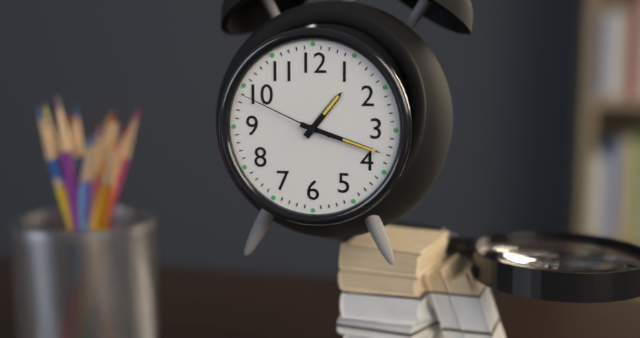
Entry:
h=1 m=18 s=49
